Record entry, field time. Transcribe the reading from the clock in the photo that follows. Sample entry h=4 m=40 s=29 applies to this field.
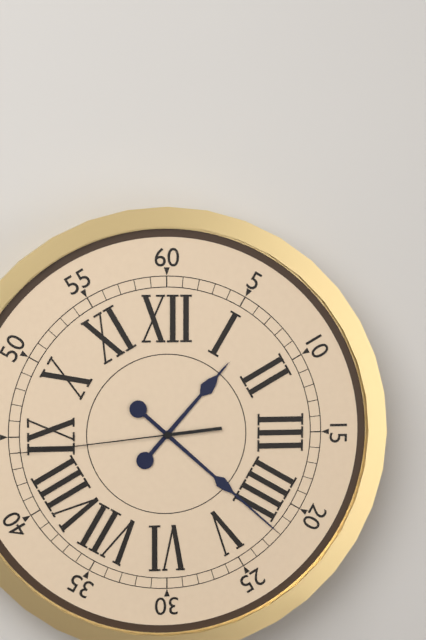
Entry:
h=1 m=22 s=44
